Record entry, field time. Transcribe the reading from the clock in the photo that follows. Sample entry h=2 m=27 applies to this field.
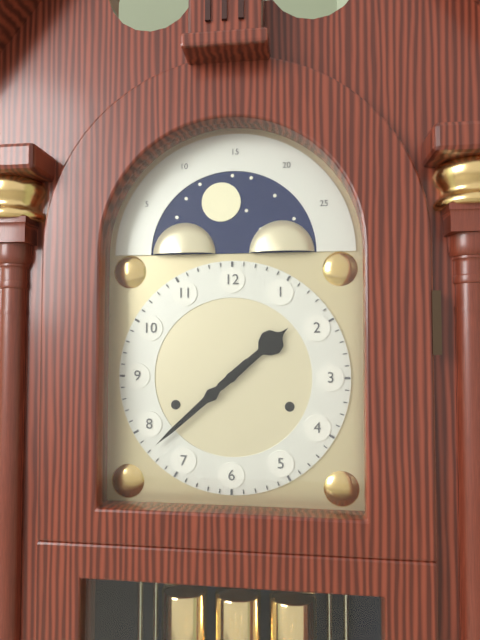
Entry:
h=1 m=38
